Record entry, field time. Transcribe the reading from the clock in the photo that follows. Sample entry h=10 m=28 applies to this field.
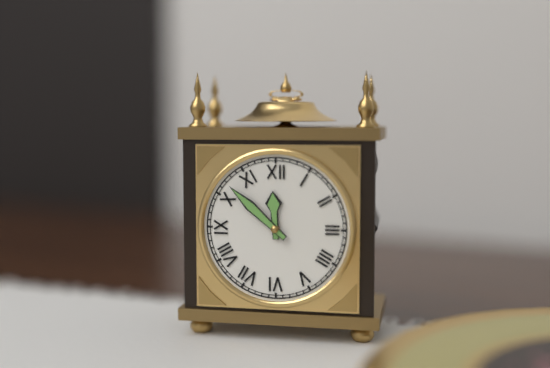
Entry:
h=11 m=52
